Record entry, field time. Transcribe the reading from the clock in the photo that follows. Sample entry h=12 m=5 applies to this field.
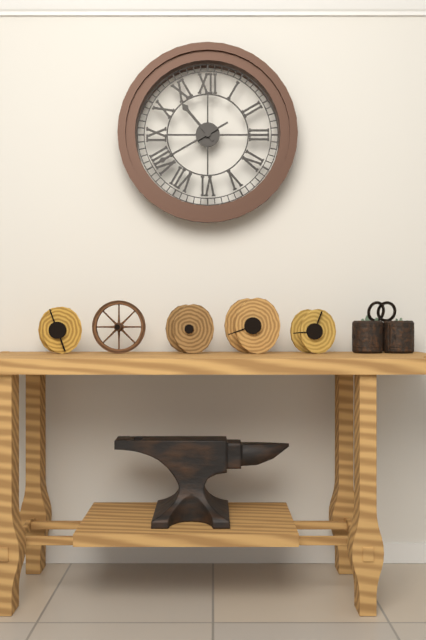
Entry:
h=10 m=40
